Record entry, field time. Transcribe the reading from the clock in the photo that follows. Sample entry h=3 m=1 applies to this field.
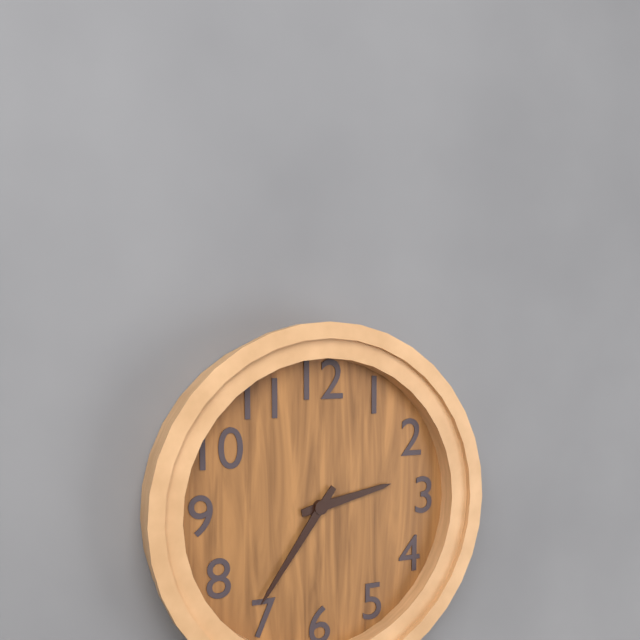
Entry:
h=2 m=36
